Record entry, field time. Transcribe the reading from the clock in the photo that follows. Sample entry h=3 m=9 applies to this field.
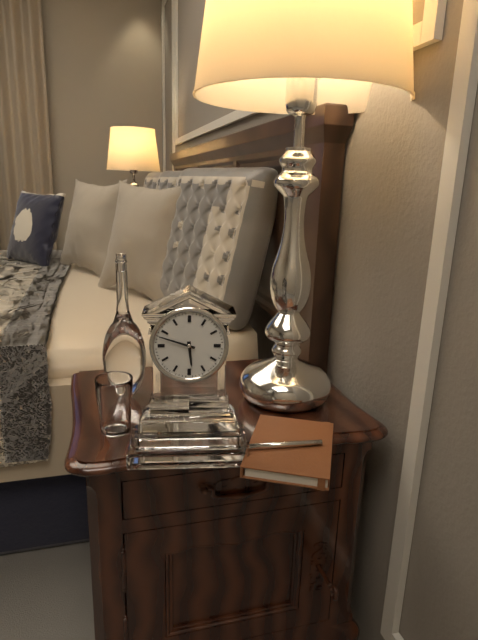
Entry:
h=5 m=48
